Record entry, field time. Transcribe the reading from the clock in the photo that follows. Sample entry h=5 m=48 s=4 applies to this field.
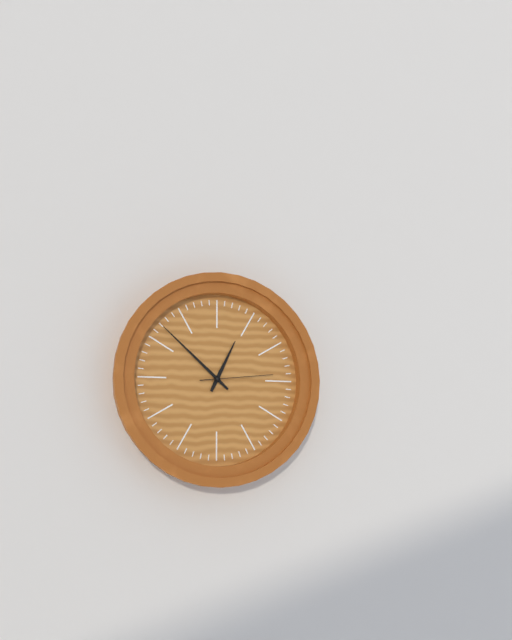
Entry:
h=12 m=52 s=14
